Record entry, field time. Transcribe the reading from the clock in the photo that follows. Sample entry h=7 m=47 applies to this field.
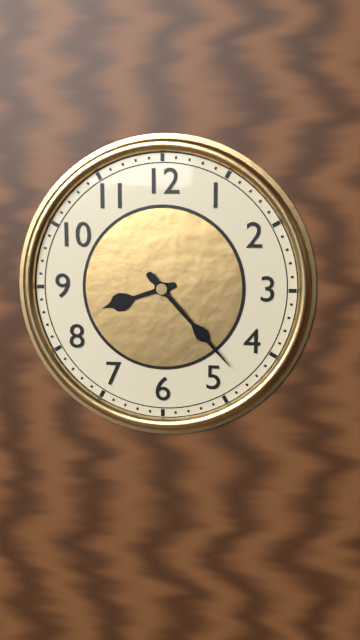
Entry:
h=8 m=23
